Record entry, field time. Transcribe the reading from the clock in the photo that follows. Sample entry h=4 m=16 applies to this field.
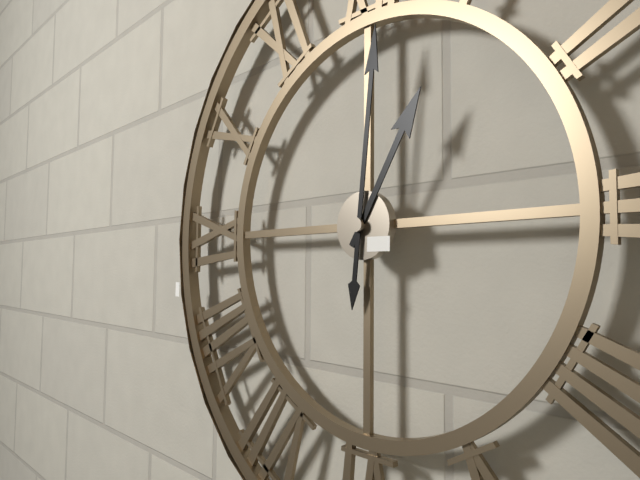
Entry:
h=1 m=1
